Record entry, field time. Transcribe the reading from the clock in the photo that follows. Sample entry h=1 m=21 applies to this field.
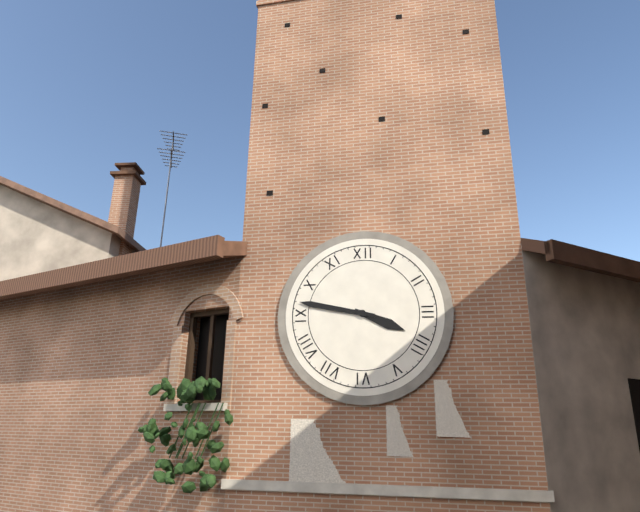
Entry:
h=3 m=47
